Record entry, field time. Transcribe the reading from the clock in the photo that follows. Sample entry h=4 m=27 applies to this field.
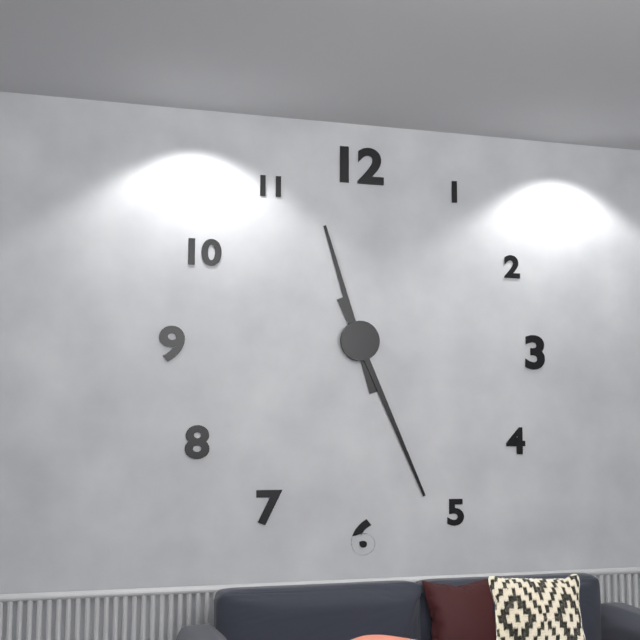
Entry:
h=11 m=26
